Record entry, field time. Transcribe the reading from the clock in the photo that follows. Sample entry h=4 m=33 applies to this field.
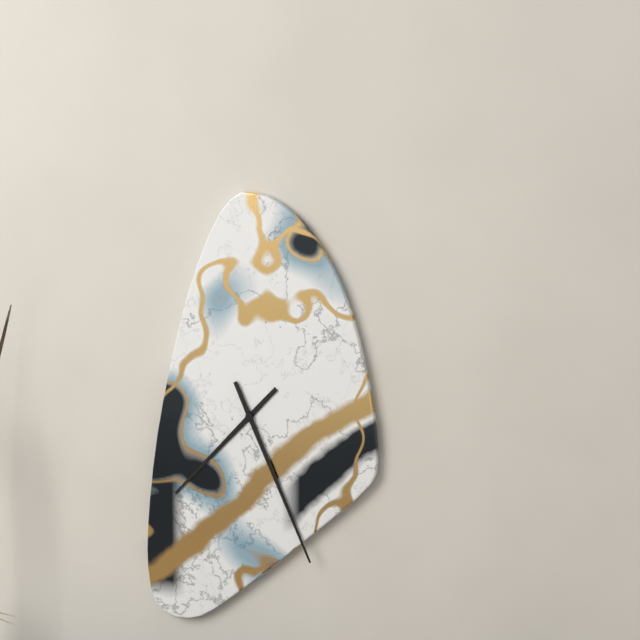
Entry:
h=7 m=26
